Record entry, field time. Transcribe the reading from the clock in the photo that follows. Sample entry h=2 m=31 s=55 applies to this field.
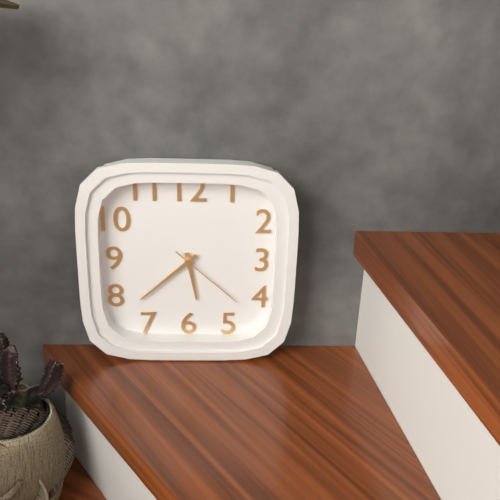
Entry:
h=5 m=38 s=22
